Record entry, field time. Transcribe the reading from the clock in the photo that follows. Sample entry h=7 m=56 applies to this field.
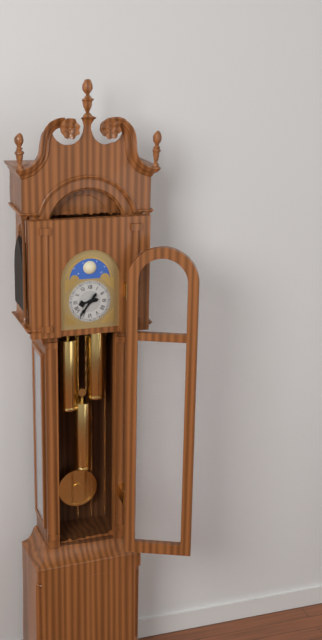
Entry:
h=8 m=36
